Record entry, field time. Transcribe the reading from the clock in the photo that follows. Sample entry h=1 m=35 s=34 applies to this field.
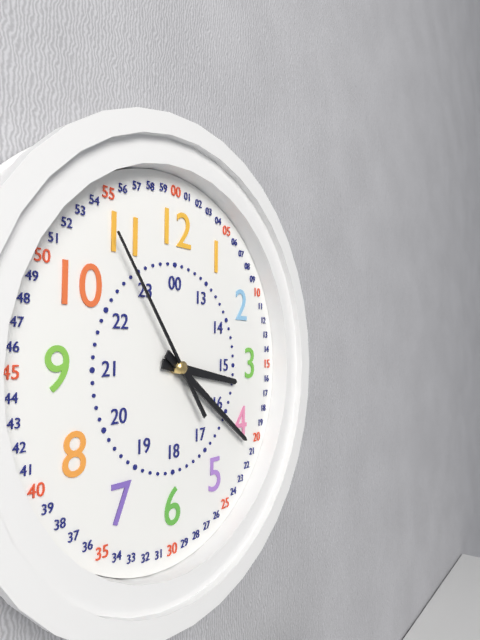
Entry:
h=3 m=21 s=54
